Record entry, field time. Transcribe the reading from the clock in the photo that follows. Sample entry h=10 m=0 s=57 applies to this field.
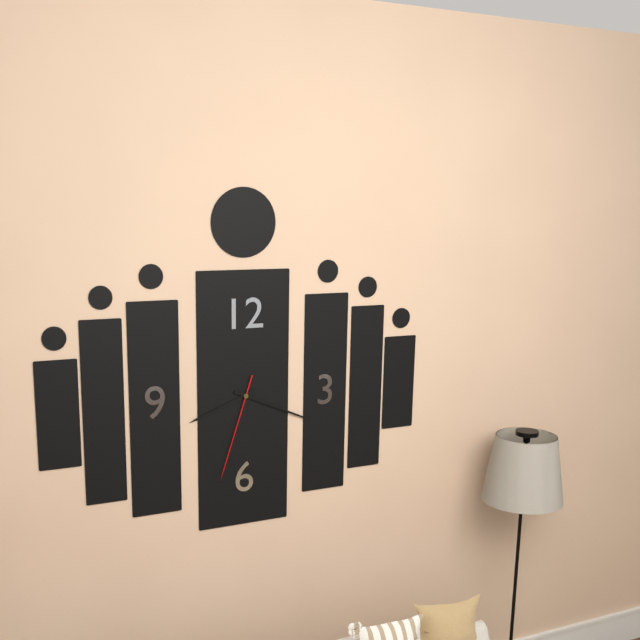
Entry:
h=8 m=19 s=33
